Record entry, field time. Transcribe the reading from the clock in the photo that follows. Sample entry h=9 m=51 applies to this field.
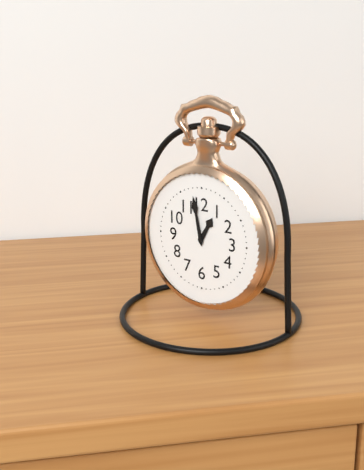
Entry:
h=12 m=58
